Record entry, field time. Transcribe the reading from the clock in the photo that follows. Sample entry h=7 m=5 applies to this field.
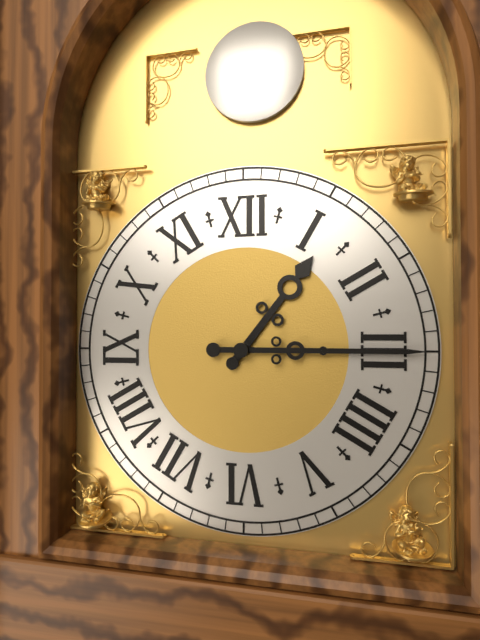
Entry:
h=1 m=15
